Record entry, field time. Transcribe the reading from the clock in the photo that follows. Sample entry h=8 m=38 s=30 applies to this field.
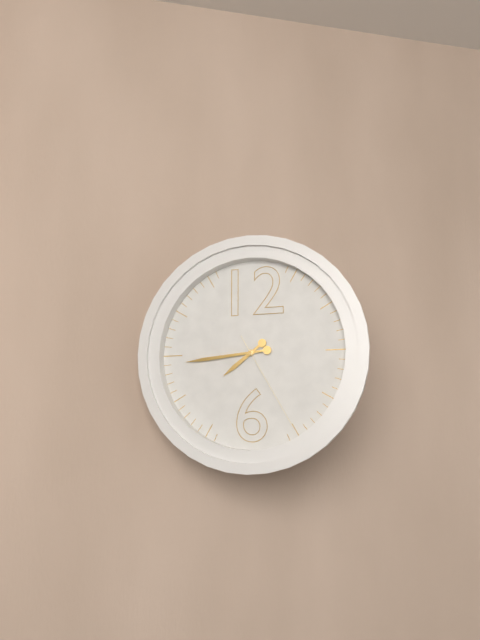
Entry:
h=7 m=44 s=25
